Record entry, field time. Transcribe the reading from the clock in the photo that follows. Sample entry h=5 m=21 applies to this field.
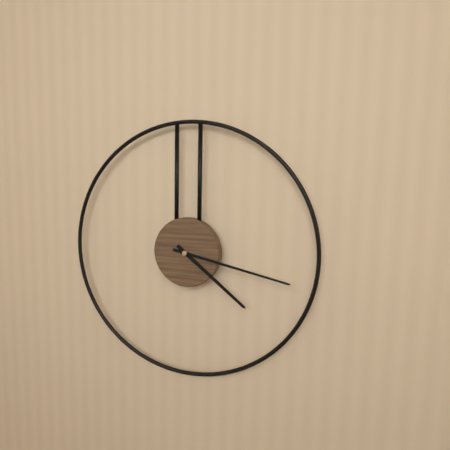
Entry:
h=4 m=17
